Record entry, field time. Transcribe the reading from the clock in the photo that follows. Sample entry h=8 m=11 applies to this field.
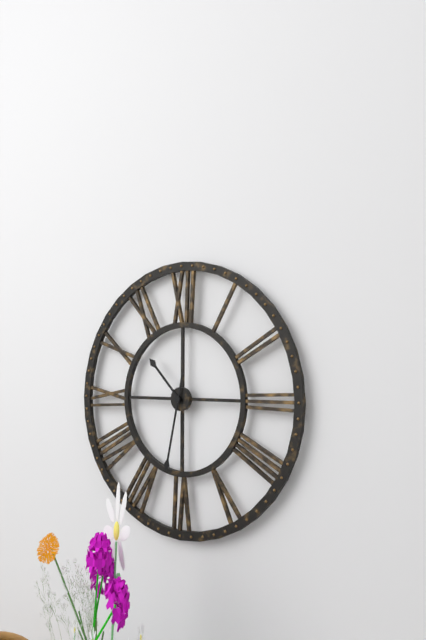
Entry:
h=10 m=32
